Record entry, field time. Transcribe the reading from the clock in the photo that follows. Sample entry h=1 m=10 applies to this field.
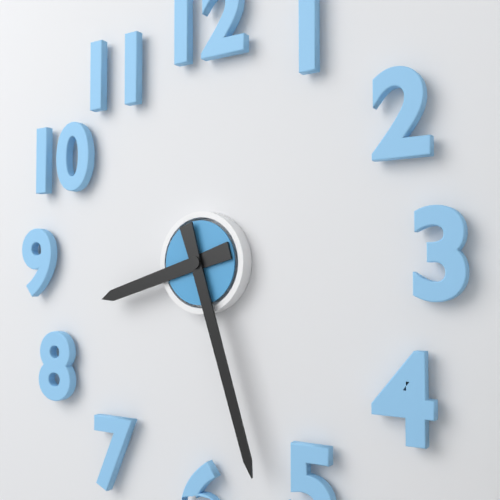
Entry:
h=8 m=27
